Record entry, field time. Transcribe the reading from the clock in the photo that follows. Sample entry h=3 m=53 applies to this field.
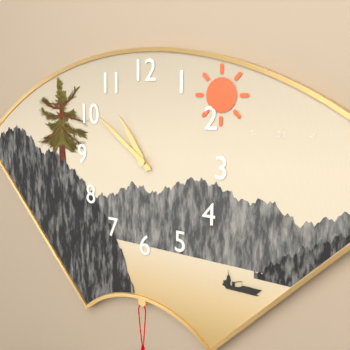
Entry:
h=10 m=51
